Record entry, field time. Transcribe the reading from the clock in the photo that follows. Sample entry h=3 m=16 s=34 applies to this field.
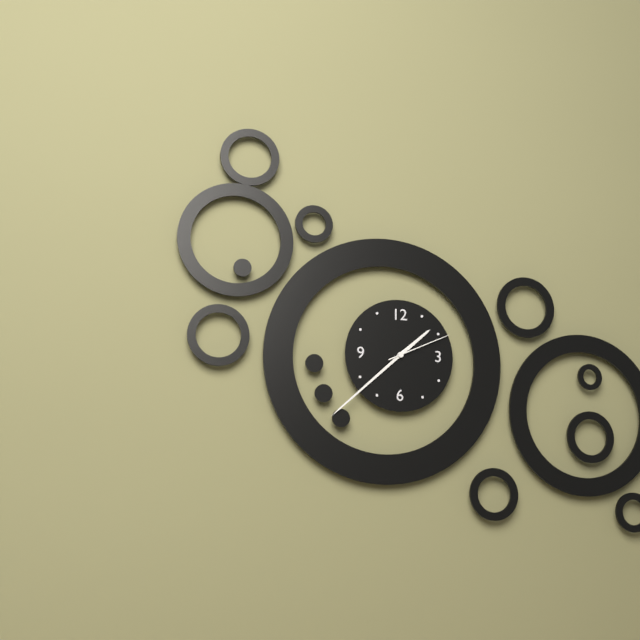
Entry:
h=1 m=38 s=11
